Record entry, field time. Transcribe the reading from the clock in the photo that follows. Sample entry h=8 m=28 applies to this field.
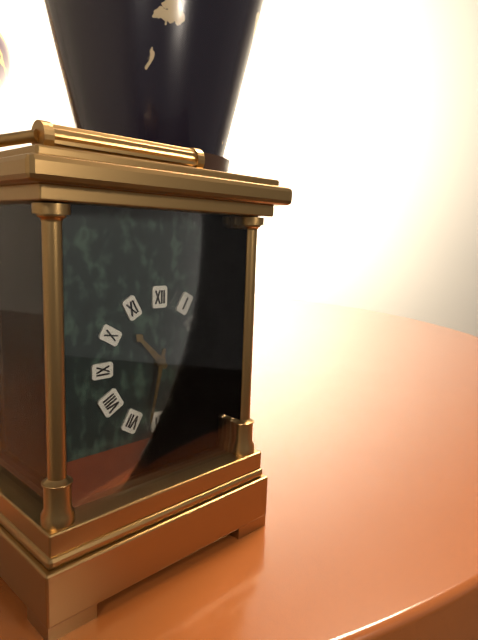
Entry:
h=10 m=32
